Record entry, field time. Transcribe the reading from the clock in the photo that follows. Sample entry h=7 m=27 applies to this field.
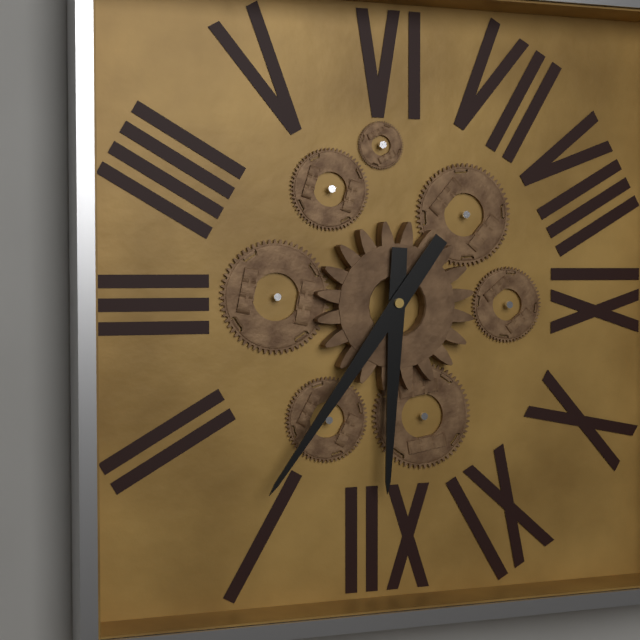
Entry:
h=12 m=6
